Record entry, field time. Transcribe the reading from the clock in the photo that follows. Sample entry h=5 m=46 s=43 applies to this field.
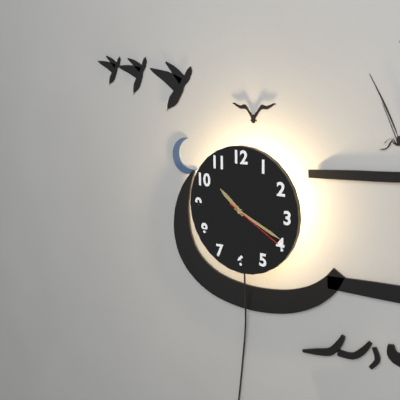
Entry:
h=10 m=19 s=20
